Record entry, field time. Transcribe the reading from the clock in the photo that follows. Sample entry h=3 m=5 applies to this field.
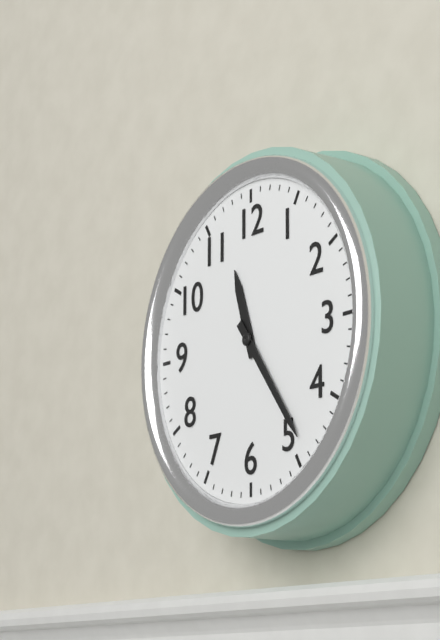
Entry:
h=11 m=24
